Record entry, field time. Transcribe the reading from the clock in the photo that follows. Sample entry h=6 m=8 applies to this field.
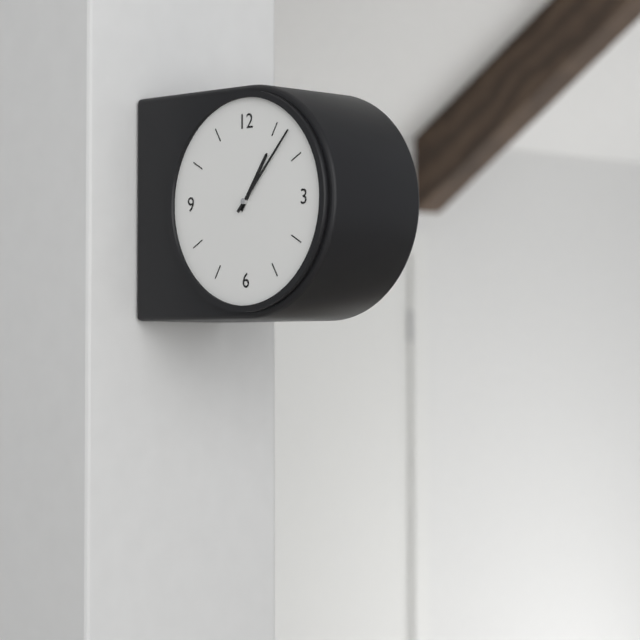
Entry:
h=1 m=7
